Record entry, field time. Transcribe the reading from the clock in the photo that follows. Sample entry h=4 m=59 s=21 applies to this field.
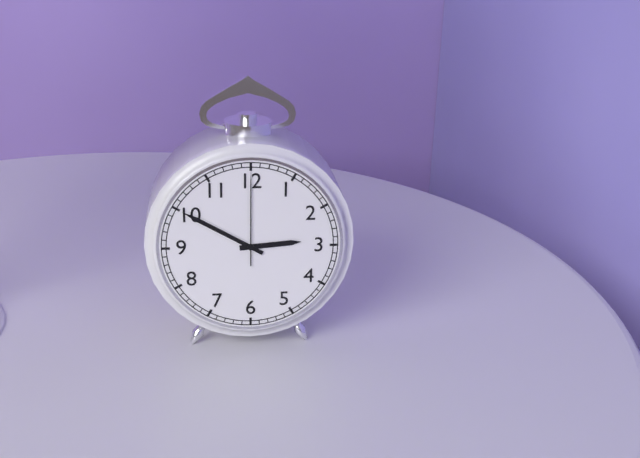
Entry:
h=2 m=50 s=0
